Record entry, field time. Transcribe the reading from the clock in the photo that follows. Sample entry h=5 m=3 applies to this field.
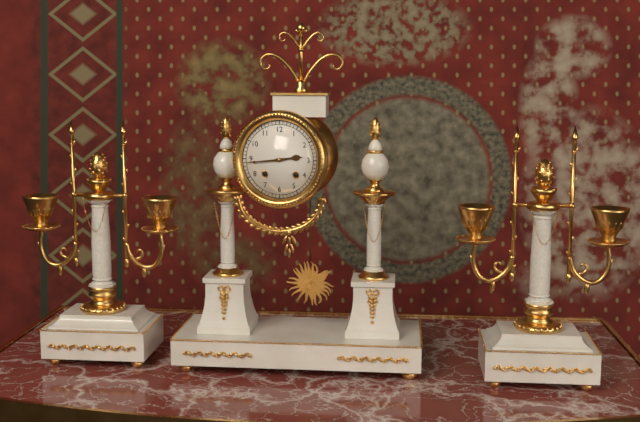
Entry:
h=2 m=44
